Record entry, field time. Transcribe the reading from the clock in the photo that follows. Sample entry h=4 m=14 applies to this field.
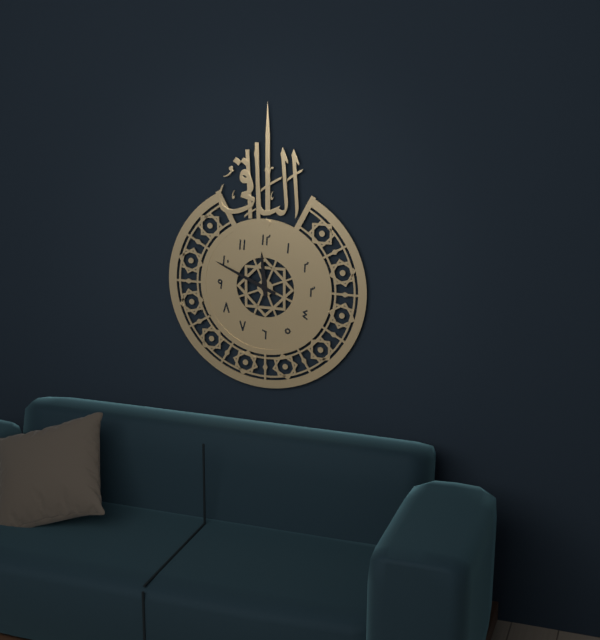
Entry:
h=11 m=49
